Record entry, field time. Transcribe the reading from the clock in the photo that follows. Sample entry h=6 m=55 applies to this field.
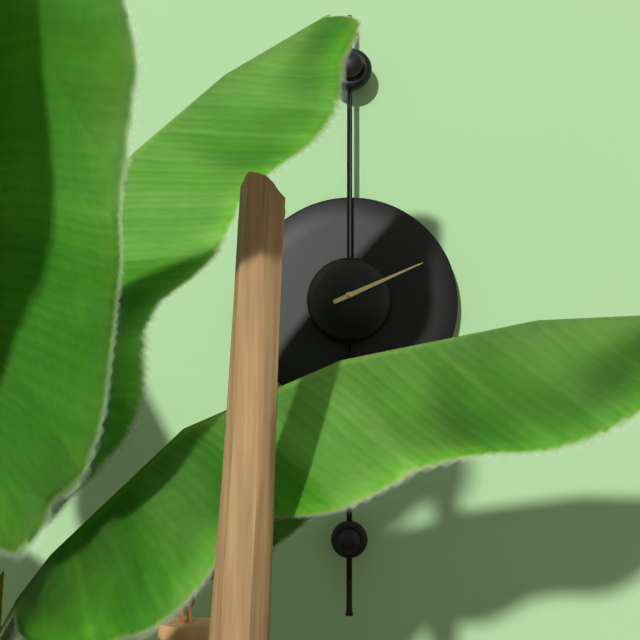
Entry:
h=2 m=11
